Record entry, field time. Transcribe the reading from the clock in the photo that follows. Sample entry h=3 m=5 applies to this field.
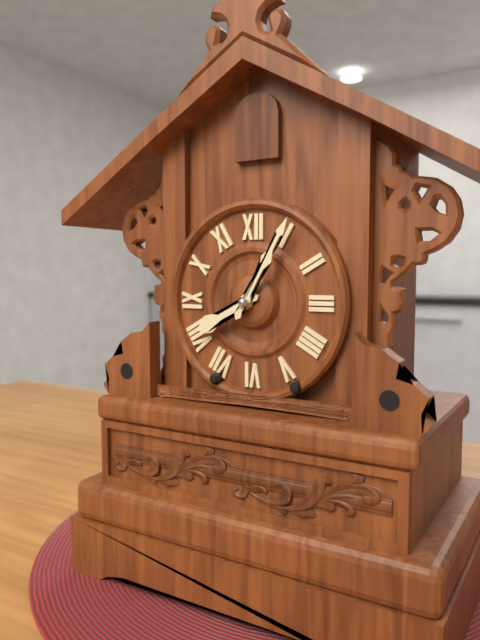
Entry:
h=8 m=5
